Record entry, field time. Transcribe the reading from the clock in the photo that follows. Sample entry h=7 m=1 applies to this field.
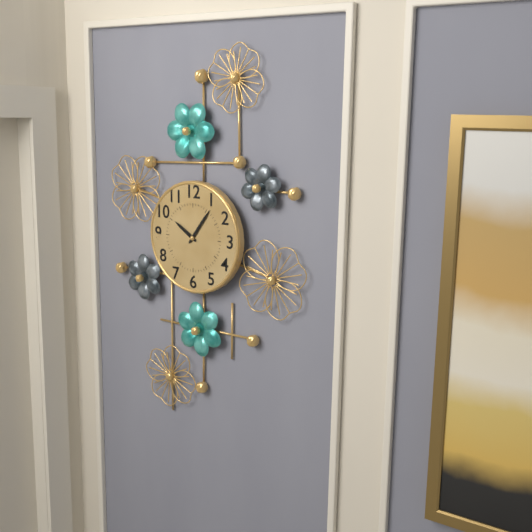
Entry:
h=10 m=6
